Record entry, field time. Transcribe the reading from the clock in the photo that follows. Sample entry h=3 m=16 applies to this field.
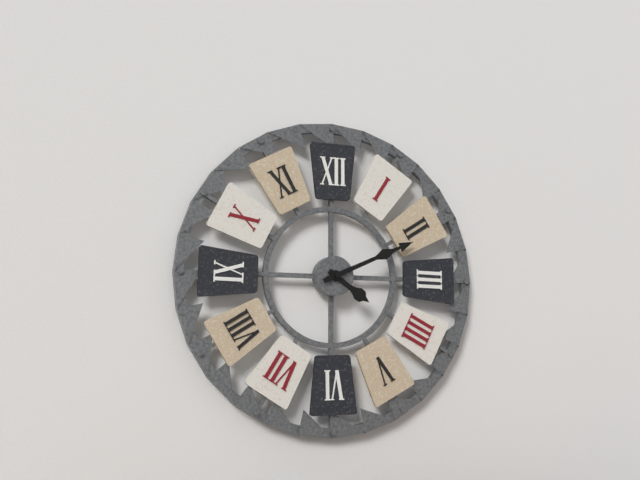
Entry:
h=4 m=11
